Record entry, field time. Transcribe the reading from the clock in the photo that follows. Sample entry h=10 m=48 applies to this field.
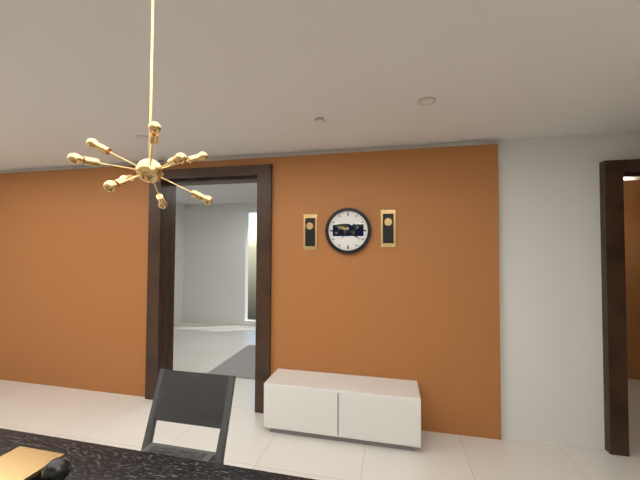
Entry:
h=7 m=21
